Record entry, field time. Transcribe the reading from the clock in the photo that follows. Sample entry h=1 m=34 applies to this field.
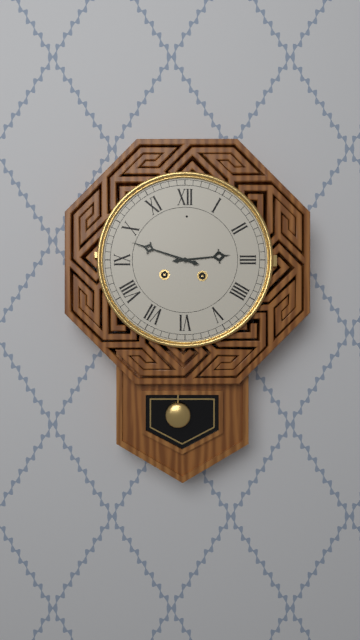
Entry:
h=2 m=48
